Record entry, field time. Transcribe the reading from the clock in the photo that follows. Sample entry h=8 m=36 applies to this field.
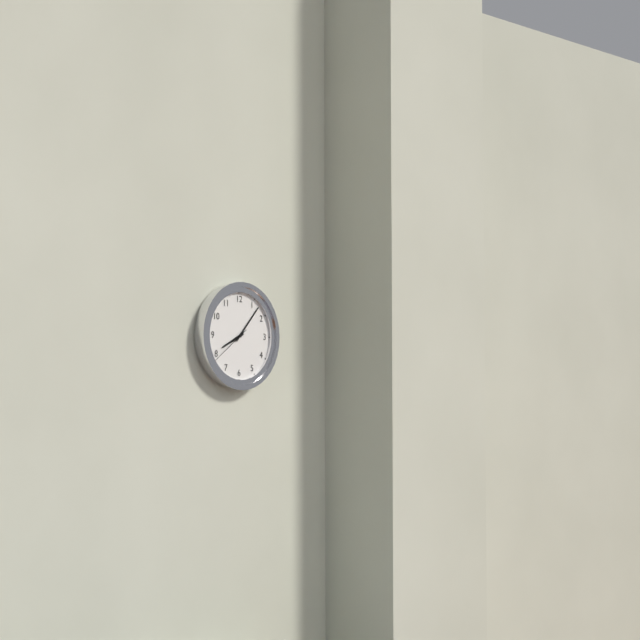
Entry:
h=8 m=7
